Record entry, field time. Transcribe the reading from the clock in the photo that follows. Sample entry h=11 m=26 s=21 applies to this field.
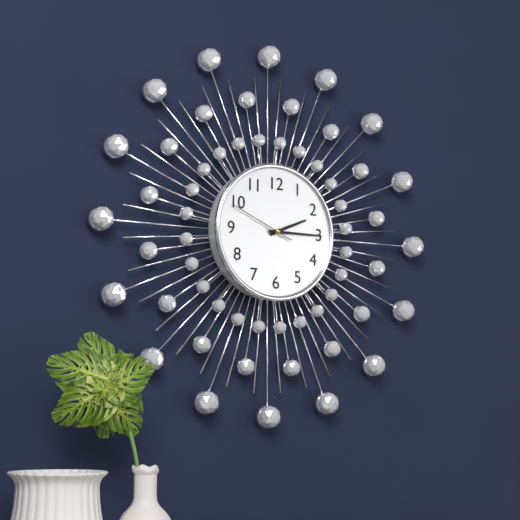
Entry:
h=2 m=15 s=49
